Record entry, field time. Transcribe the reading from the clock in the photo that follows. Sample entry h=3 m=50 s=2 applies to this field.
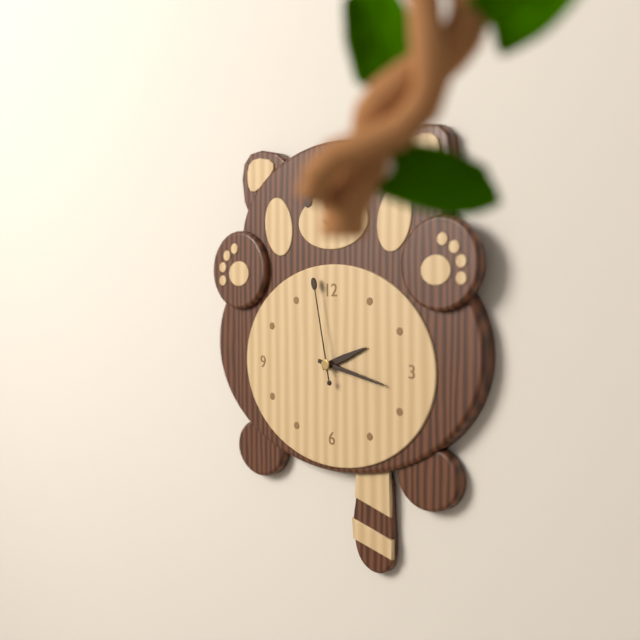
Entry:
h=2 m=17 s=58
